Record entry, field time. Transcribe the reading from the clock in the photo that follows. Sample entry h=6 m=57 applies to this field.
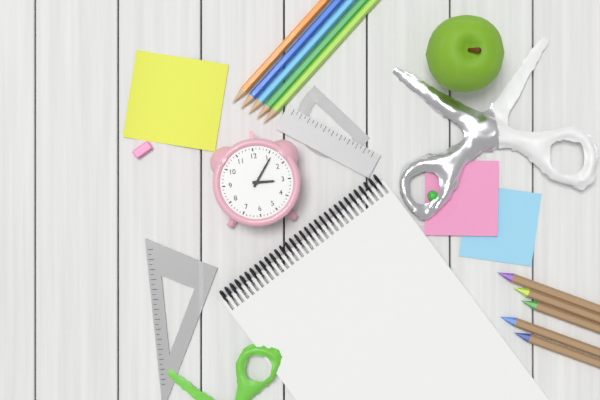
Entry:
h=3 m=6
